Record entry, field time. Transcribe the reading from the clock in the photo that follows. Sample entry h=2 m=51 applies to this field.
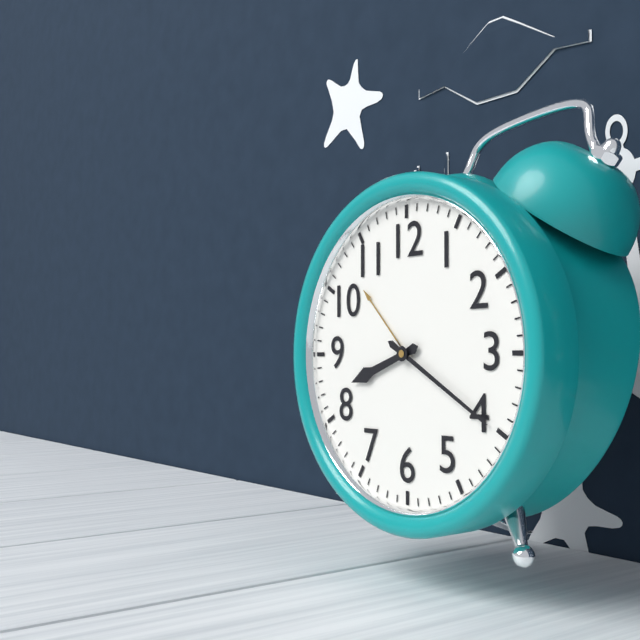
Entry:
h=8 m=20
